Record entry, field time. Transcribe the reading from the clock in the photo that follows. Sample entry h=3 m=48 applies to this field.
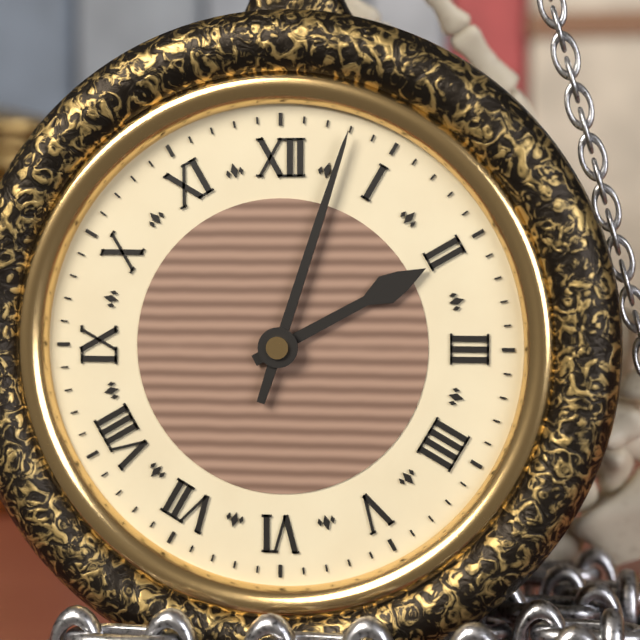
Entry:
h=2 m=3
